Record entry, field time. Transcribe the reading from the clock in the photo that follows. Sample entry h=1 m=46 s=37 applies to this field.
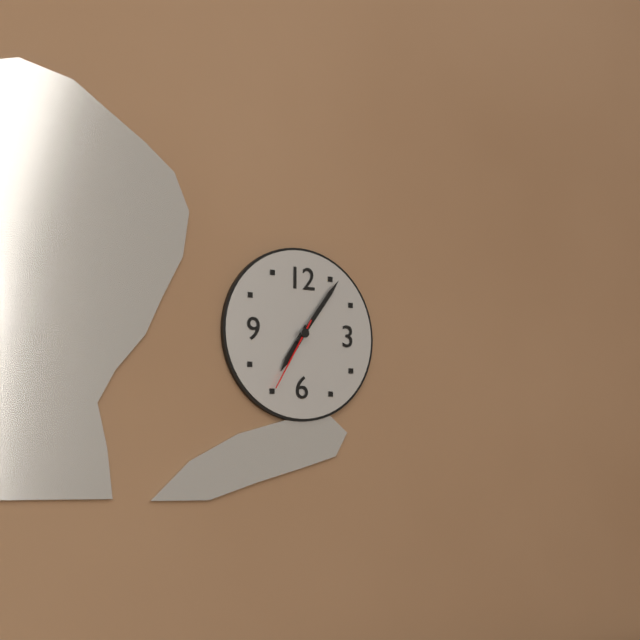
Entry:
h=7 m=6 s=35
